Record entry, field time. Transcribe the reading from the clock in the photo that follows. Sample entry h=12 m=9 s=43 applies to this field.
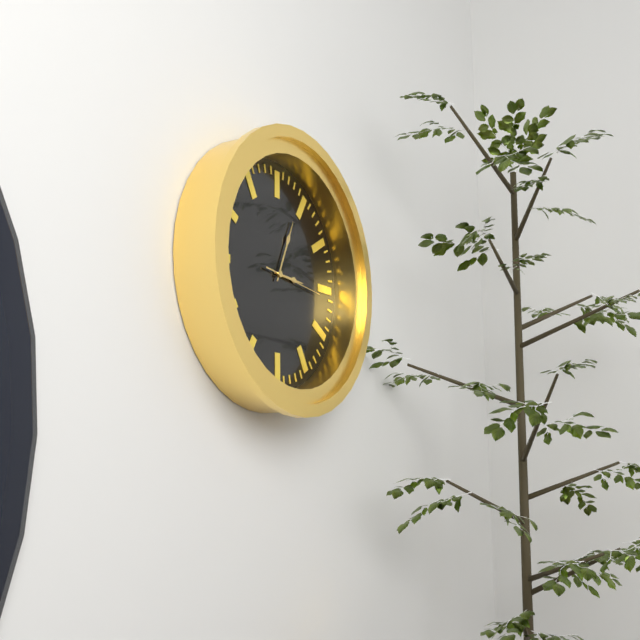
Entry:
h=3 m=4 s=16
